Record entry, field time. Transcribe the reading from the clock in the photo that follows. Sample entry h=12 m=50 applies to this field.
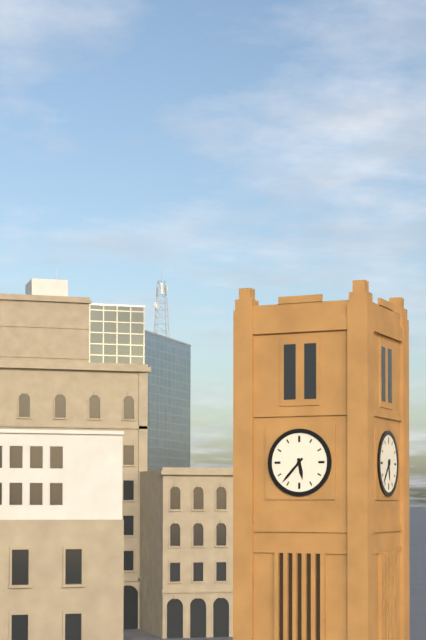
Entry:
h=5 m=37
